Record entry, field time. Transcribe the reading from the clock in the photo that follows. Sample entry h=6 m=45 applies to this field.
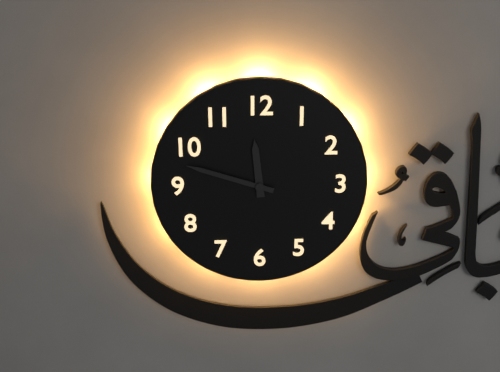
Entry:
h=11 m=48
